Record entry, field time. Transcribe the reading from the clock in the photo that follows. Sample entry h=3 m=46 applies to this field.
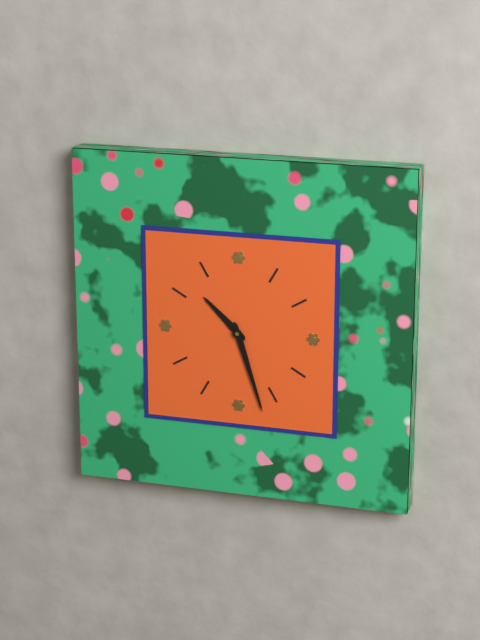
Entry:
h=10 m=27
